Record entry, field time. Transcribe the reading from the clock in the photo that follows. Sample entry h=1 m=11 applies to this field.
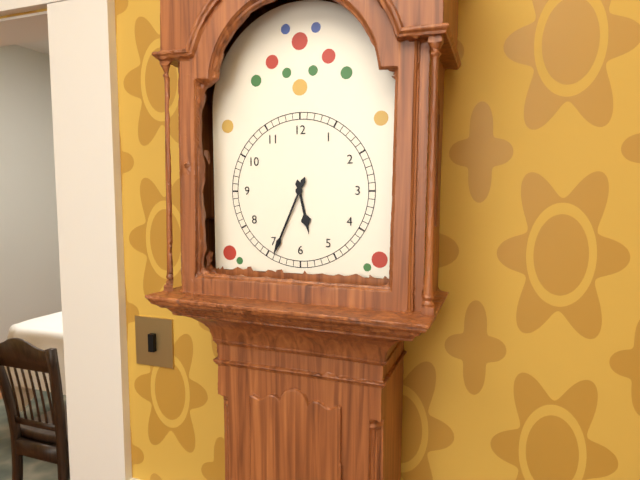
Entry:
h=5 m=34
